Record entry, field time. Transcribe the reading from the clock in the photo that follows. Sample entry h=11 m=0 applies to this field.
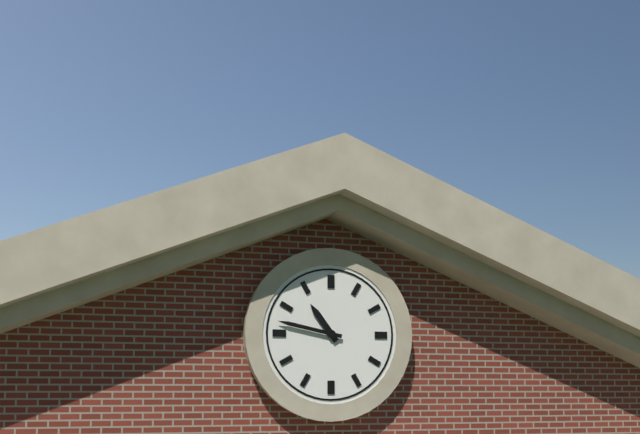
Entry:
h=10 m=47
